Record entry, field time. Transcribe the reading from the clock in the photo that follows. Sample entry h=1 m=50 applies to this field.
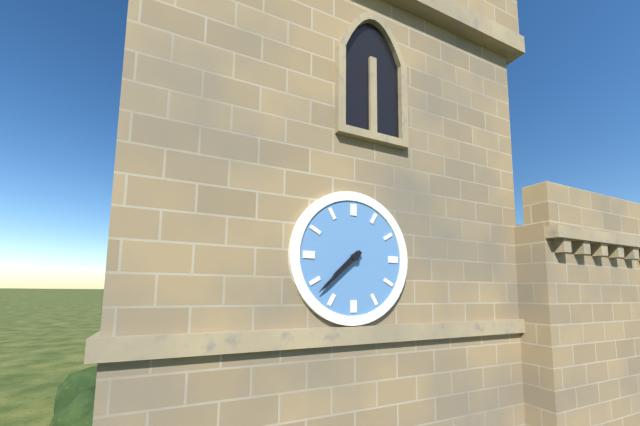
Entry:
h=7 m=38
